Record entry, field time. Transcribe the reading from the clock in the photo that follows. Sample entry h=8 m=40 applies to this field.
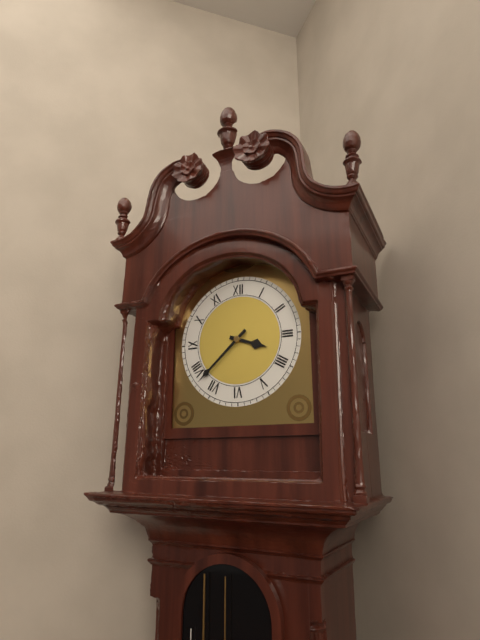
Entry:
h=3 m=38
